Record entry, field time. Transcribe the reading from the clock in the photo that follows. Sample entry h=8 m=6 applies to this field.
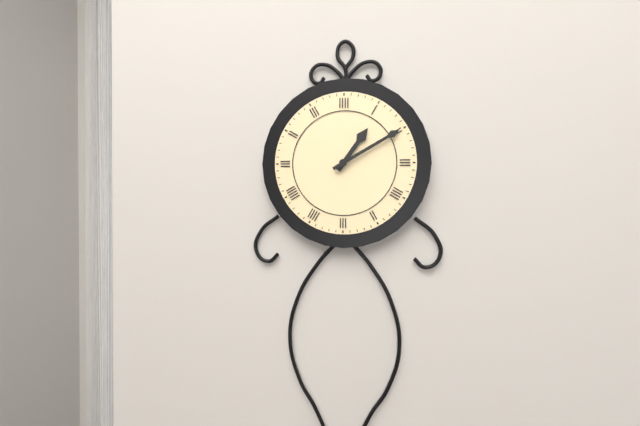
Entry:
h=1 m=10
